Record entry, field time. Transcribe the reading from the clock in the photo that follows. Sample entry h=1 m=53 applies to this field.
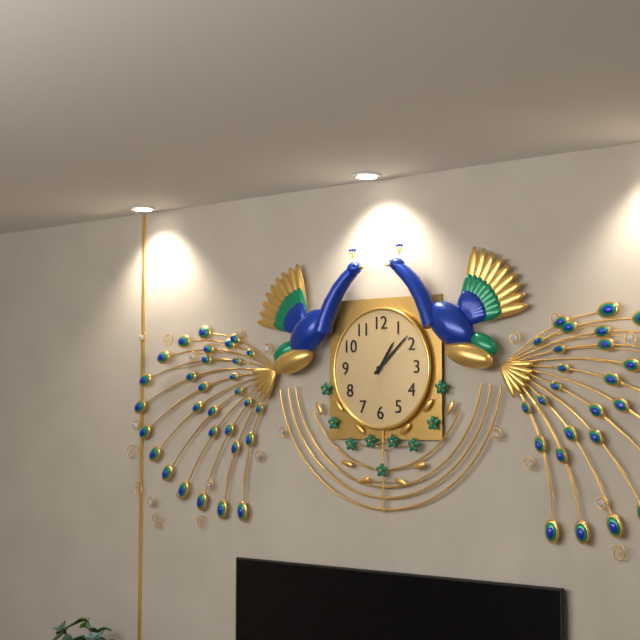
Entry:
h=1 m=8
